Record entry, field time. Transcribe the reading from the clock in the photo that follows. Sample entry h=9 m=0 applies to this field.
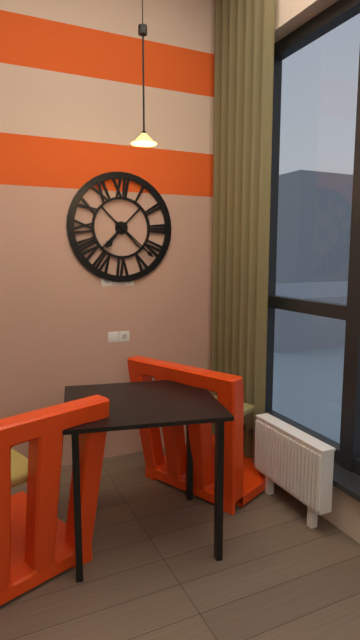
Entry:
h=7 m=22
